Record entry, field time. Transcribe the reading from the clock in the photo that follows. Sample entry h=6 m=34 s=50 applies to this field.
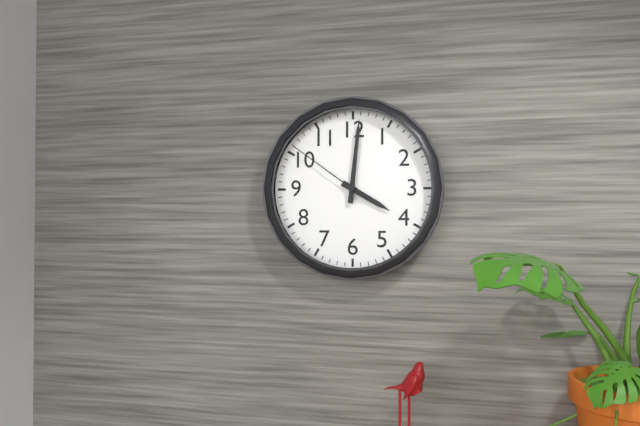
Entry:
h=4 m=1 s=51
